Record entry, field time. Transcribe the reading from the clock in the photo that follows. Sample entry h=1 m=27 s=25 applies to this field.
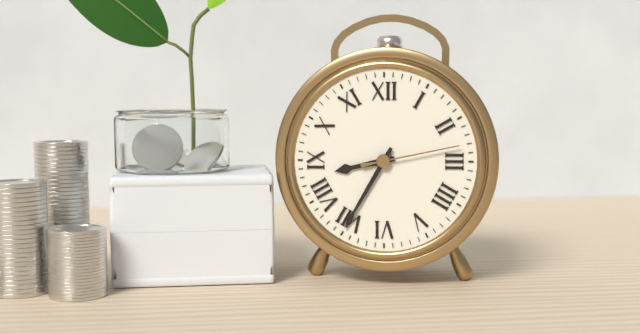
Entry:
h=8 m=35 s=13
